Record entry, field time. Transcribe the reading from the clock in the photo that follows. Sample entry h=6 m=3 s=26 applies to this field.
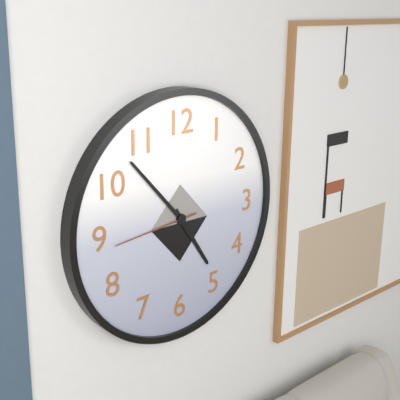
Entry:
h=4 m=53 s=44
